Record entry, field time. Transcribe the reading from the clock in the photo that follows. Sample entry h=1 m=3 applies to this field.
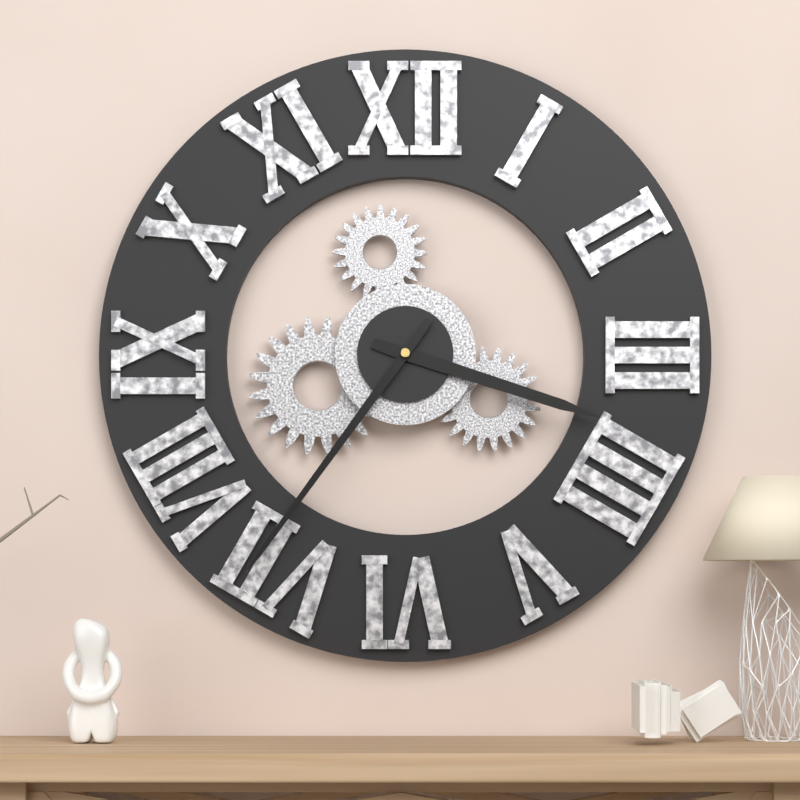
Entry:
h=3 m=36
